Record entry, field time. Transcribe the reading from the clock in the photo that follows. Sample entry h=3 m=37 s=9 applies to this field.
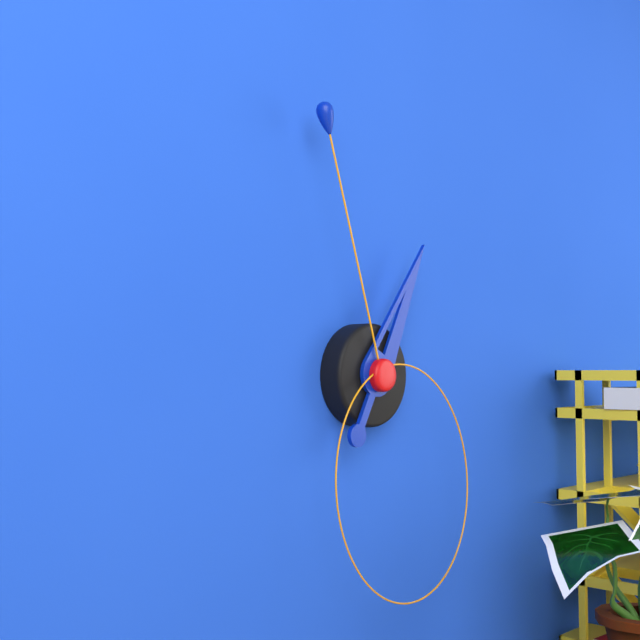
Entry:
h=12 m=57 s=27
